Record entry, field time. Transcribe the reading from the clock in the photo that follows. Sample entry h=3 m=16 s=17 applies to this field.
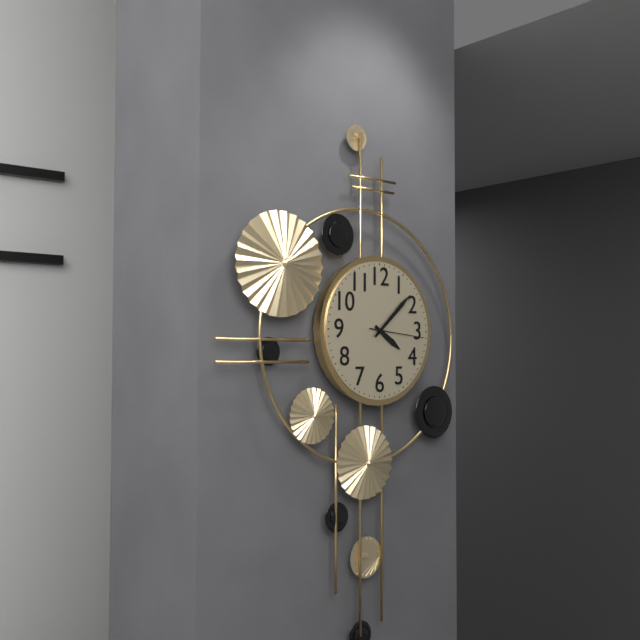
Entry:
h=4 m=8 s=16
